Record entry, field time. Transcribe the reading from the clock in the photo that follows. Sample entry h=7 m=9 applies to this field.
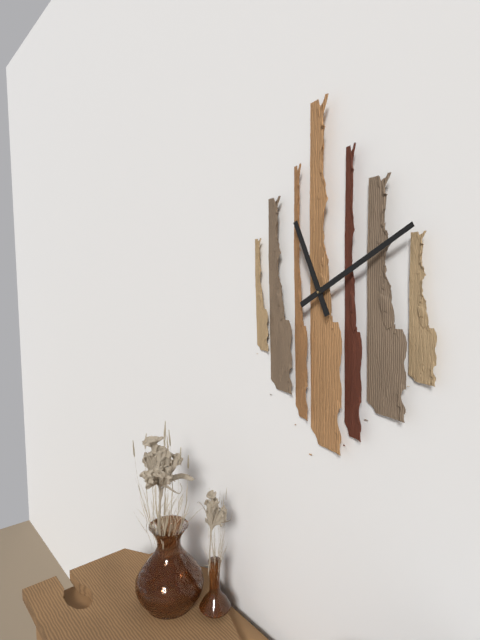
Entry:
h=11 m=10
